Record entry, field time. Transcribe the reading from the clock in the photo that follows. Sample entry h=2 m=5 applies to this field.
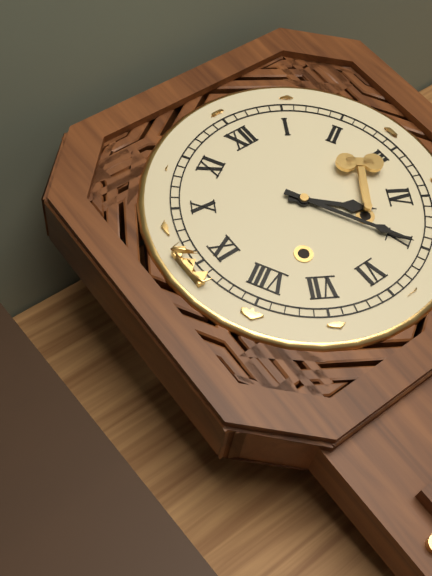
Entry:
h=4 m=25
